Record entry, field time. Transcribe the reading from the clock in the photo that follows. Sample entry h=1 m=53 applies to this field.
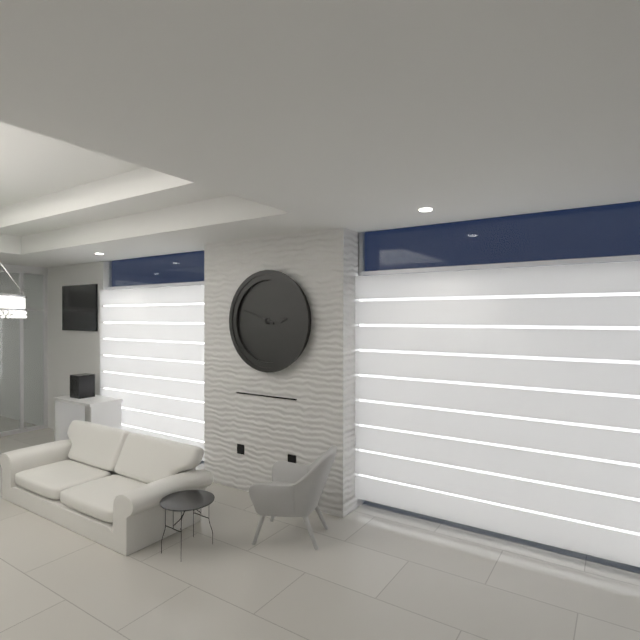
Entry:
h=2 m=48
